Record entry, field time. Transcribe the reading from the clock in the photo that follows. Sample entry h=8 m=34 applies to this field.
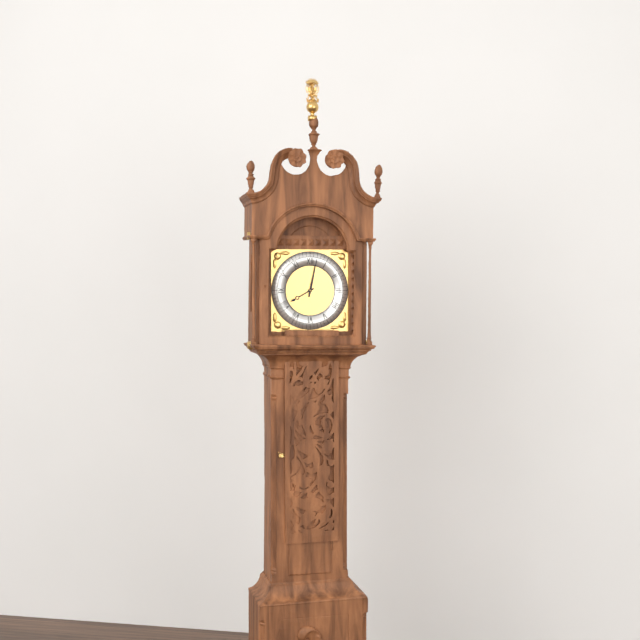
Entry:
h=8 m=2
